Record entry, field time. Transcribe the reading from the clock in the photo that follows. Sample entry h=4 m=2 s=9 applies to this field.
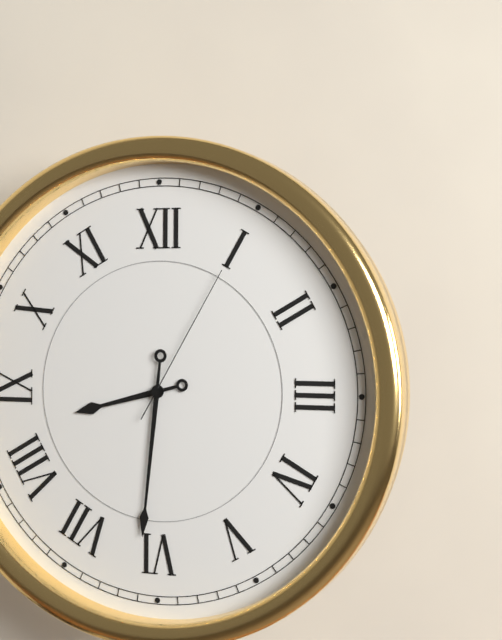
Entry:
h=8 m=31 s=5
